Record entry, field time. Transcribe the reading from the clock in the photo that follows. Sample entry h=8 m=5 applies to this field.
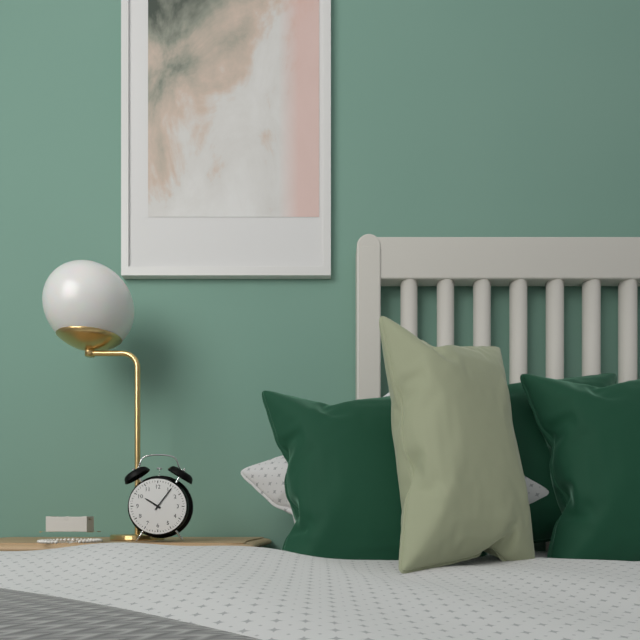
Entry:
h=10 m=6
